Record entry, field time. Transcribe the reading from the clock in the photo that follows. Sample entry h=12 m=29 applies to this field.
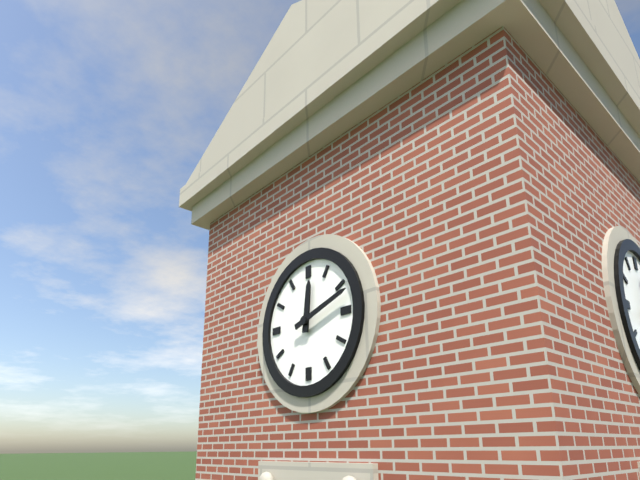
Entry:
h=12 m=12
